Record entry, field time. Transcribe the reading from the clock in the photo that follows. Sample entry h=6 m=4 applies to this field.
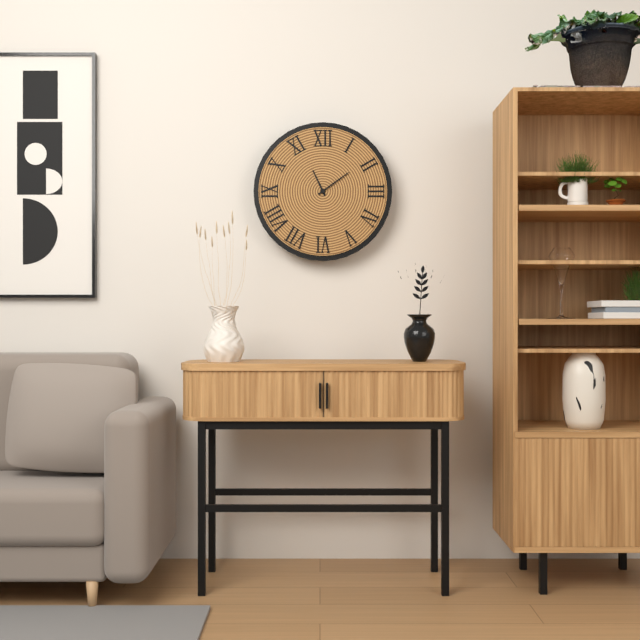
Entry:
h=11 m=9
